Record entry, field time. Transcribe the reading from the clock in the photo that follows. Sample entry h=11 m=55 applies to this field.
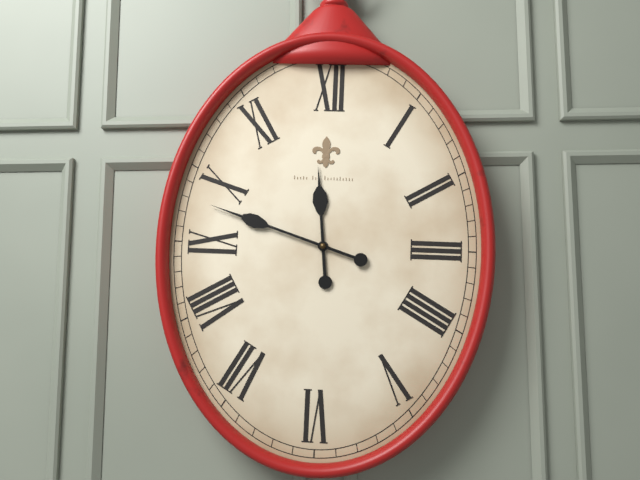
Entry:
h=11 m=48
